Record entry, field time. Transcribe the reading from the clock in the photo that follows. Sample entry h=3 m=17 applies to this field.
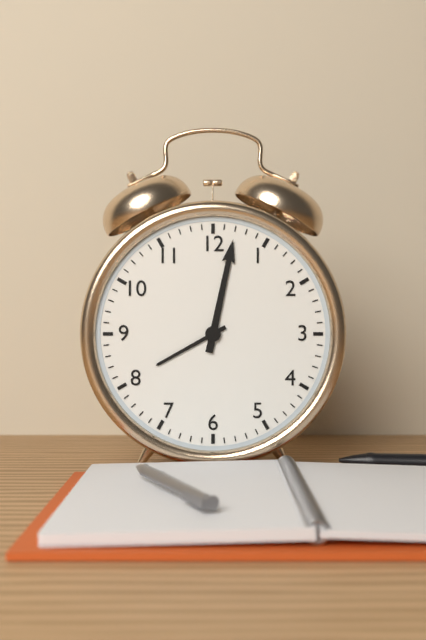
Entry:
h=8 m=2
